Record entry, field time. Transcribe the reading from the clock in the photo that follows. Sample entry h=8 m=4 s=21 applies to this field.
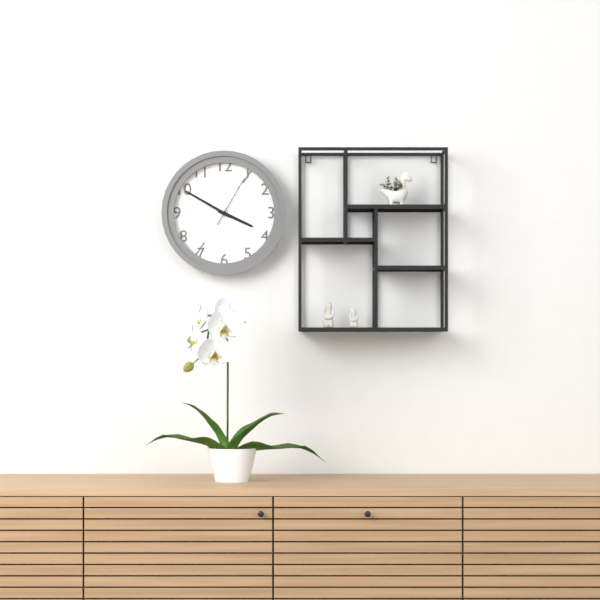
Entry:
h=3 m=50 s=5
